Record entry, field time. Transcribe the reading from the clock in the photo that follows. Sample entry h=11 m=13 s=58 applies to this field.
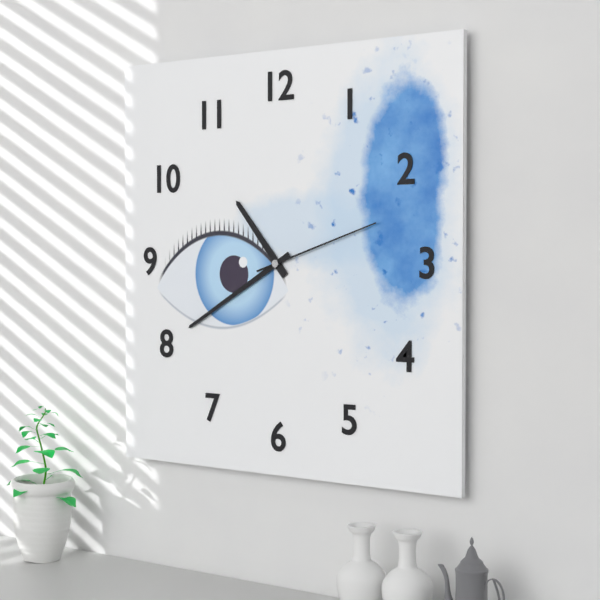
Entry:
h=10 m=40 s=12
